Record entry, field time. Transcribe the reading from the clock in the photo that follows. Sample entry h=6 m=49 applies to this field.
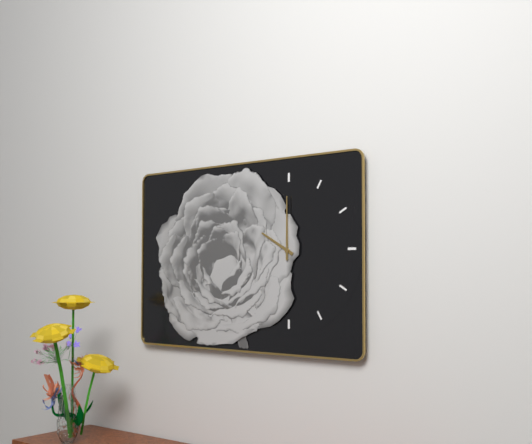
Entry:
h=10 m=0
